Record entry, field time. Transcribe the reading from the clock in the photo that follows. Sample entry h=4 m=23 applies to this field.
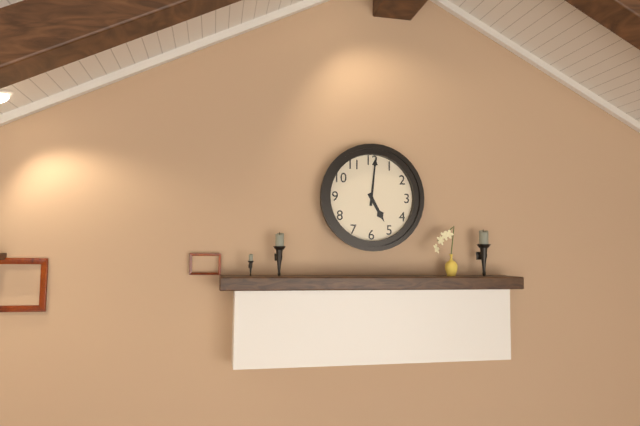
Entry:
h=5 m=1
